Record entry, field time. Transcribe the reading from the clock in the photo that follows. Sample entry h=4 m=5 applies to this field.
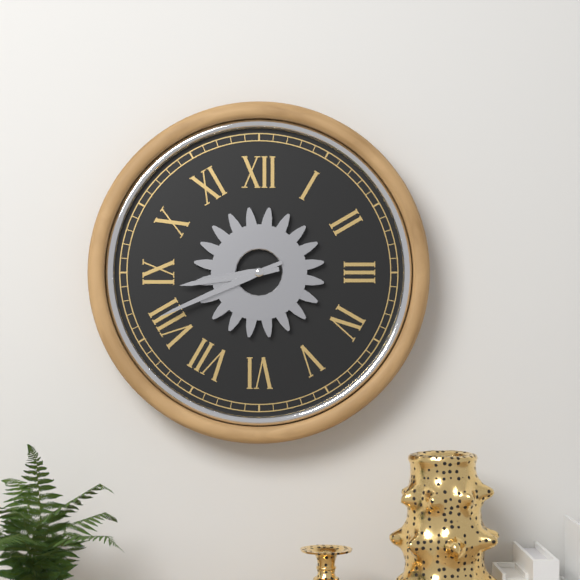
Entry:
h=8 m=41
